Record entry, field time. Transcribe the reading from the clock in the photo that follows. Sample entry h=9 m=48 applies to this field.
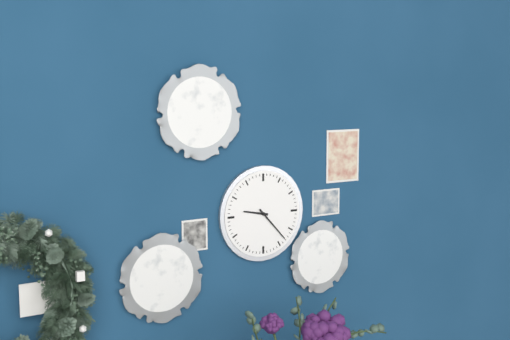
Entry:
h=9 m=23
